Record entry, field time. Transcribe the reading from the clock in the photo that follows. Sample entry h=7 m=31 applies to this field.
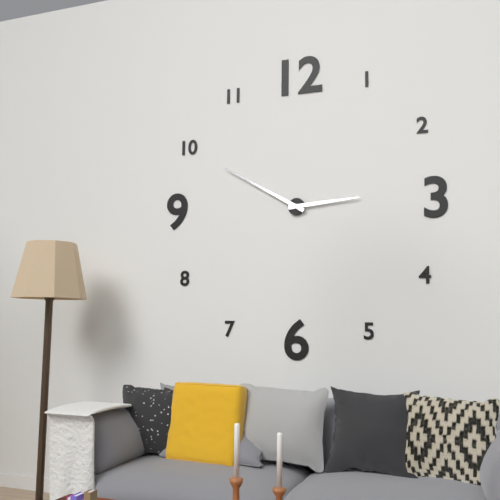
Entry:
h=2 m=50
